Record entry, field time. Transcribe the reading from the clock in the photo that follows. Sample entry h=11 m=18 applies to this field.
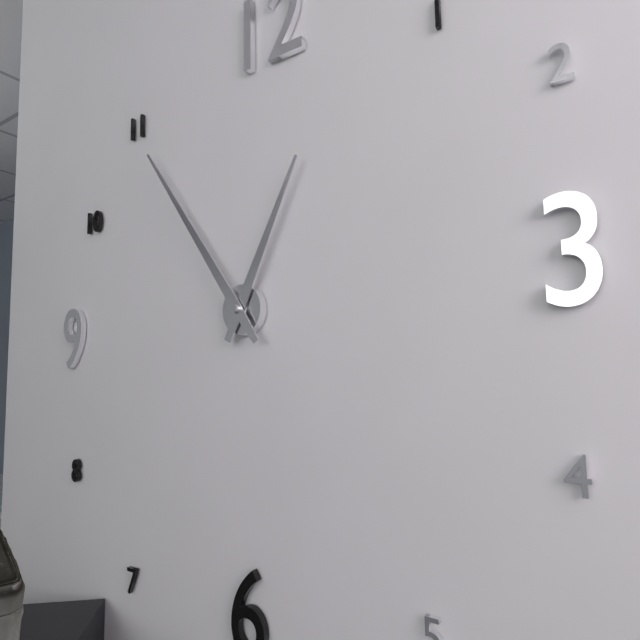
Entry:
h=12 m=54
